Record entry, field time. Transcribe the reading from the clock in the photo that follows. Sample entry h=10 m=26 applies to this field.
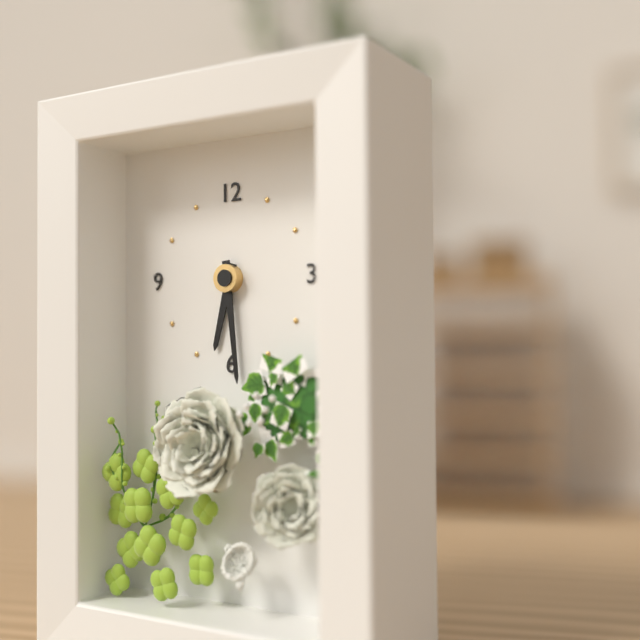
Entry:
h=6 m=29
